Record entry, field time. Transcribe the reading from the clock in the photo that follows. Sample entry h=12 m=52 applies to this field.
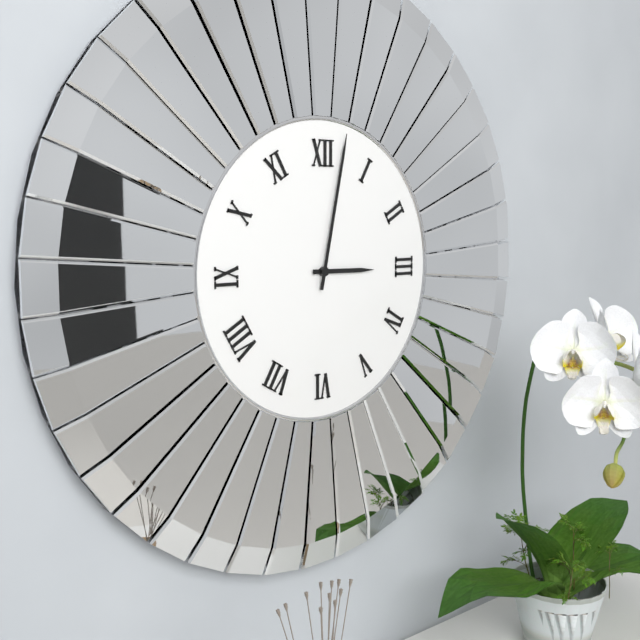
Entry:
h=3 m=2
